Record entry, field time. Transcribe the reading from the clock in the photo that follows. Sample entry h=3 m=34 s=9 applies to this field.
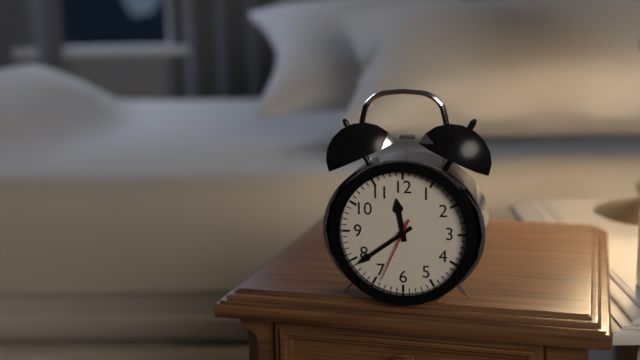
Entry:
h=11 m=39 s=34
